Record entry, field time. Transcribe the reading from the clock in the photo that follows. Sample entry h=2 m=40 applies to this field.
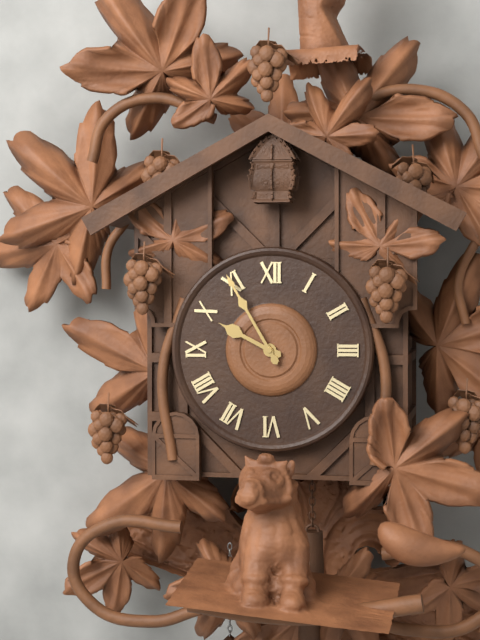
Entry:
h=9 m=55
